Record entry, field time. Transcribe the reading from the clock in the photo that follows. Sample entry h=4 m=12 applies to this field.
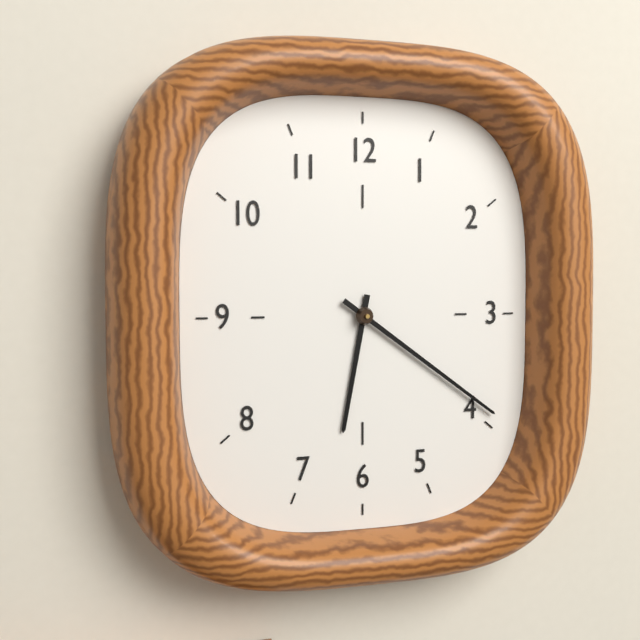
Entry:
h=6 m=21
